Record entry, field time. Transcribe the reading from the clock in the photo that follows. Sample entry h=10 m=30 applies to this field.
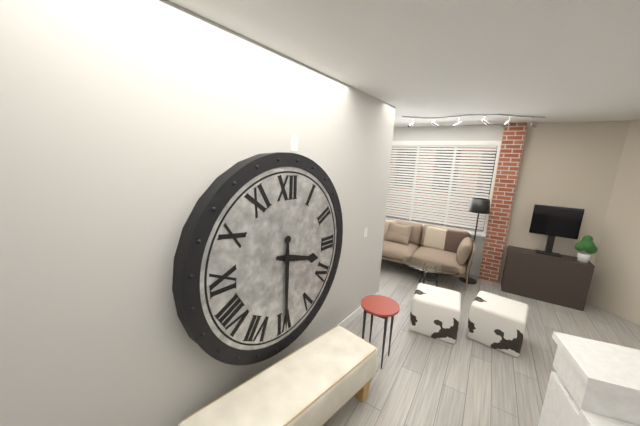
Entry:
h=3 m=30
